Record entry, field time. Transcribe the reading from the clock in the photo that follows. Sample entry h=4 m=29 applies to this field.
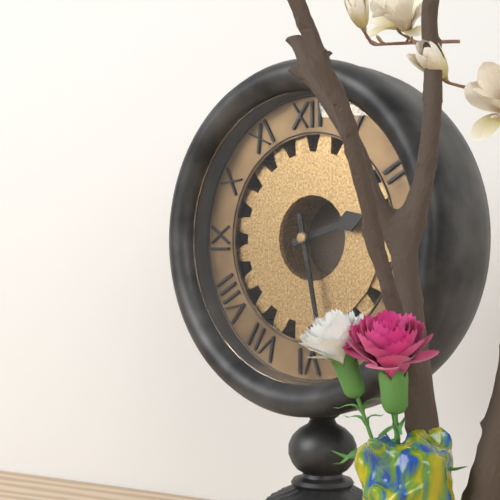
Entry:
h=2 m=28
